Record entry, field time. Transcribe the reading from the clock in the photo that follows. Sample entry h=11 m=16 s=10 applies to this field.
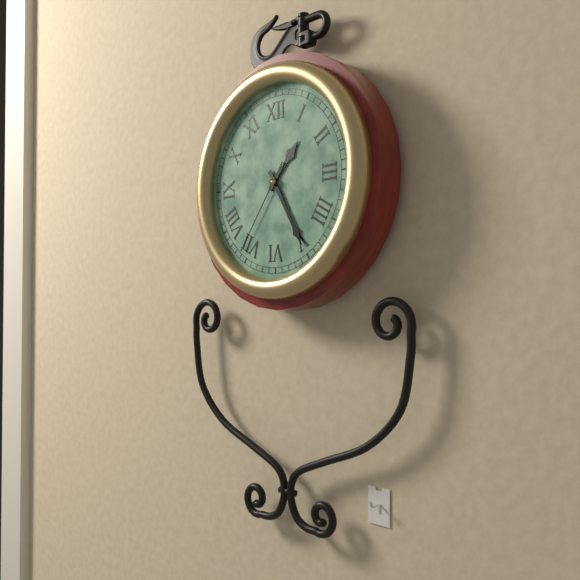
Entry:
h=1 m=25 s=36
